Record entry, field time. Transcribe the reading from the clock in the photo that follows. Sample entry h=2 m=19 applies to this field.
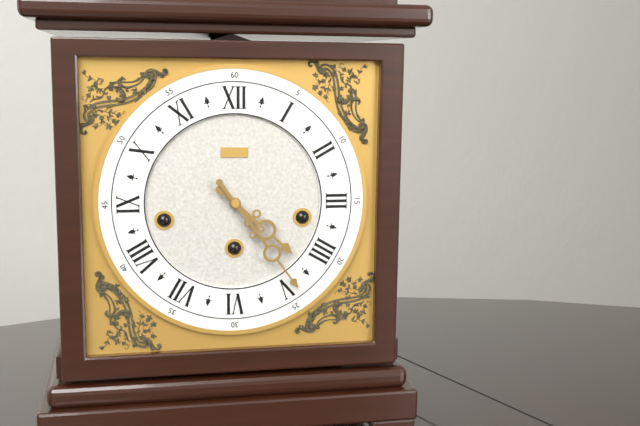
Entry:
h=4 m=24
